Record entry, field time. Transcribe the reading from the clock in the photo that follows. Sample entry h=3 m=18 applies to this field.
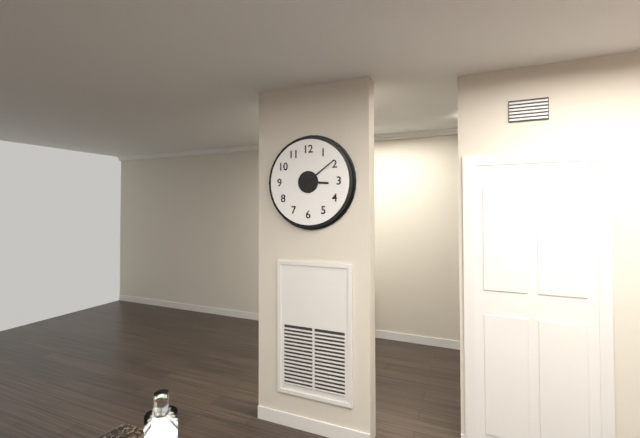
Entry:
h=3 m=9
